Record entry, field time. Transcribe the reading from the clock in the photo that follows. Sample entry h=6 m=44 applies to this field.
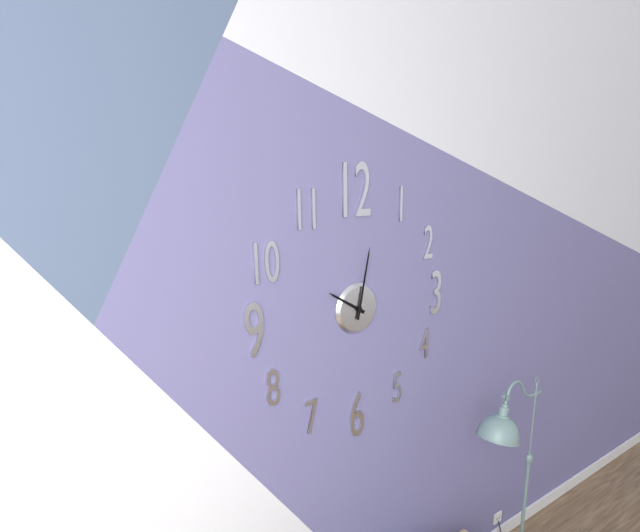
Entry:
h=10 m=2
